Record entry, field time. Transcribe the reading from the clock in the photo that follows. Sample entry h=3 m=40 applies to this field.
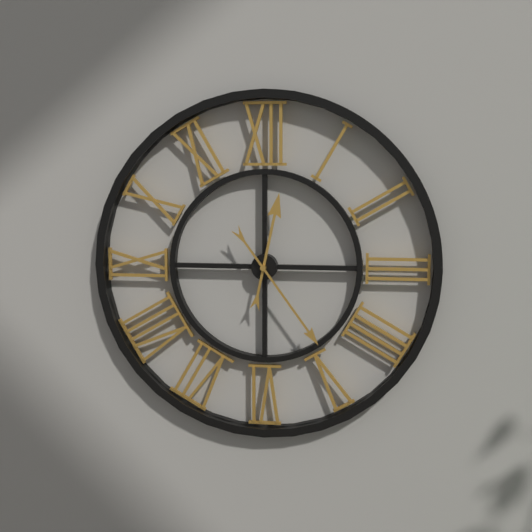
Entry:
h=12 m=24
